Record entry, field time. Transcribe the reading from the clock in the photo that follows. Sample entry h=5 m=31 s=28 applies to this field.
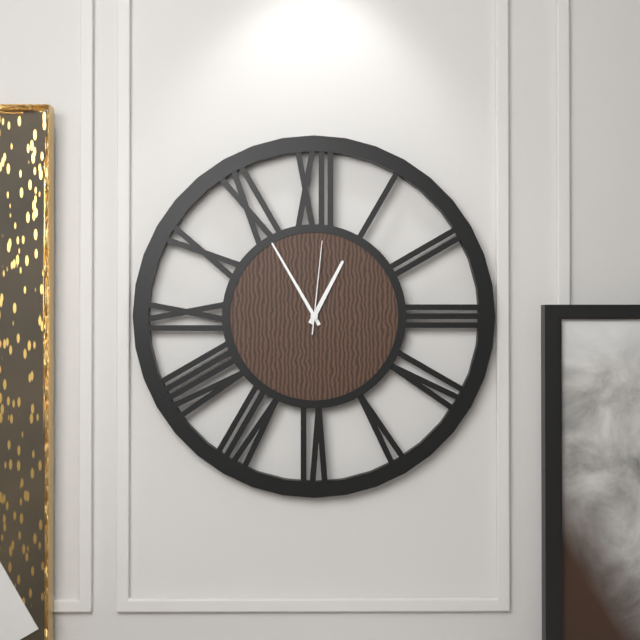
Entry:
h=12 m=55 s=1
